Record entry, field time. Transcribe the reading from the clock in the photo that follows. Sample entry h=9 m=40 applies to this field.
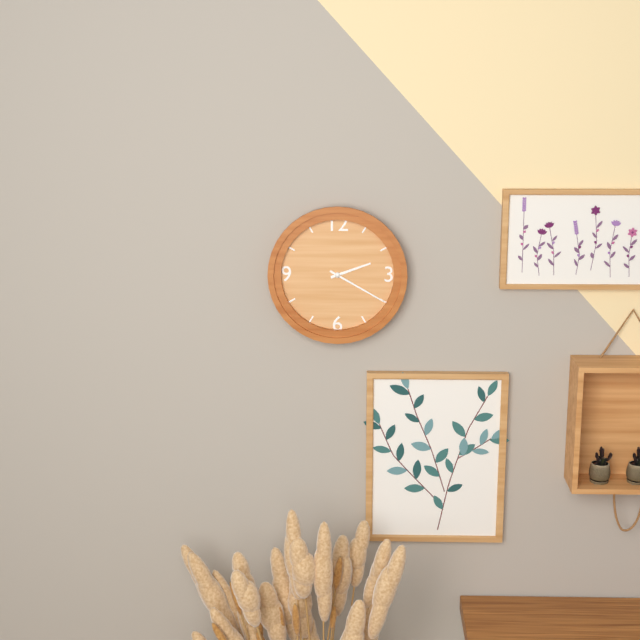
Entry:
h=2 m=20
